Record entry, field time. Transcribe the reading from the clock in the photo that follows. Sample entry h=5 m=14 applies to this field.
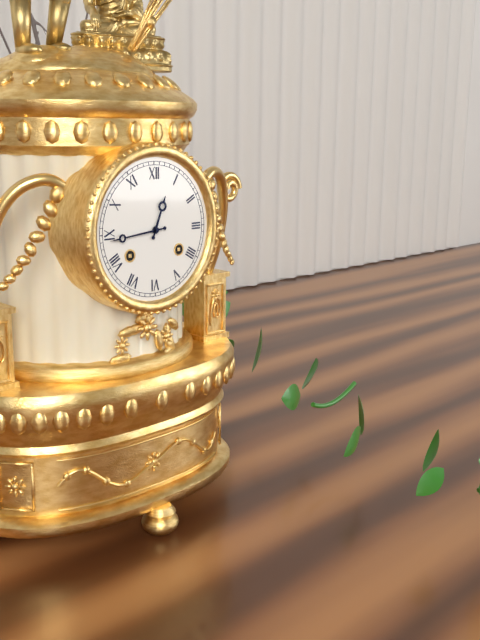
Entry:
h=12 m=44
